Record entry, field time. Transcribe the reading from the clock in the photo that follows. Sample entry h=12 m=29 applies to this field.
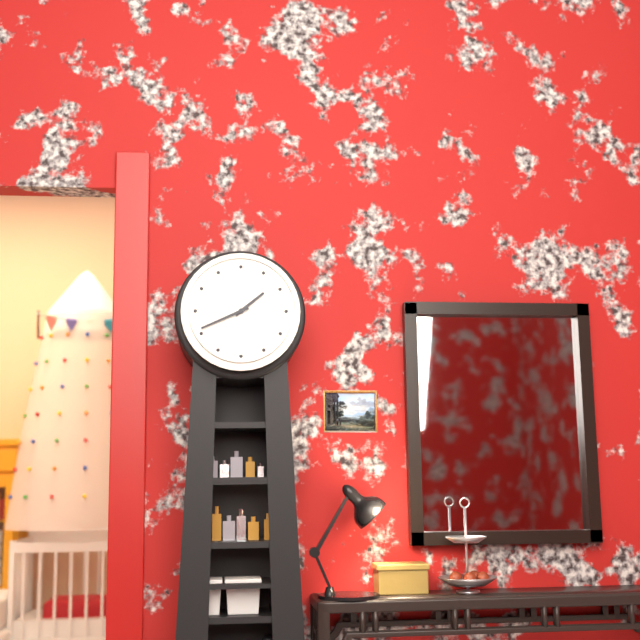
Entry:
h=1 m=41
